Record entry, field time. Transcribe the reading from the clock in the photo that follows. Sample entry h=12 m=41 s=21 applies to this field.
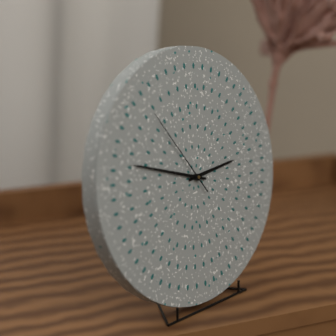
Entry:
h=2 m=48 s=54
